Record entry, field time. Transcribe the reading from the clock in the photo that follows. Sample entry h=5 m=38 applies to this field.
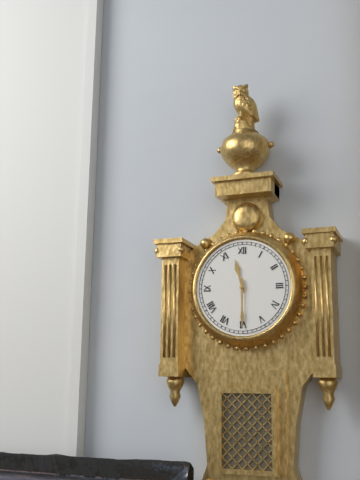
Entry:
h=11 m=30
